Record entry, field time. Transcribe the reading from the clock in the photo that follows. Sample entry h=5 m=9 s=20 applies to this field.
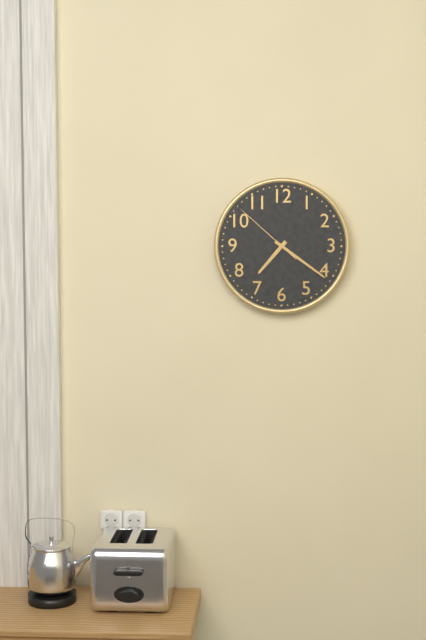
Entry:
h=7 m=21 s=52
